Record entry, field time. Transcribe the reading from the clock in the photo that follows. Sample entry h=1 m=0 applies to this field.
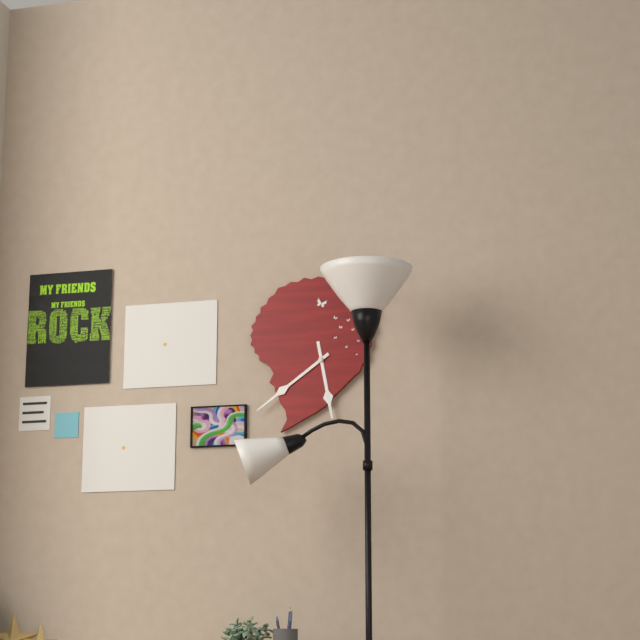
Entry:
h=5 m=39
